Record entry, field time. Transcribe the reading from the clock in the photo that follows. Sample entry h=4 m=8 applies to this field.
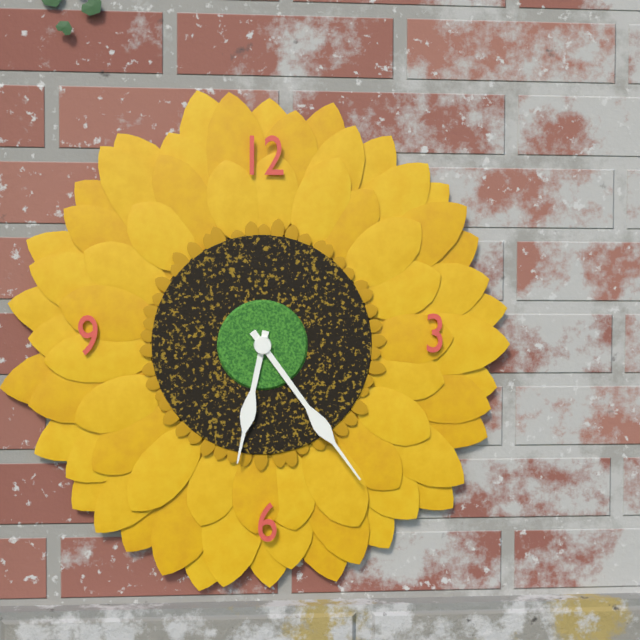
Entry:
h=6 m=24
